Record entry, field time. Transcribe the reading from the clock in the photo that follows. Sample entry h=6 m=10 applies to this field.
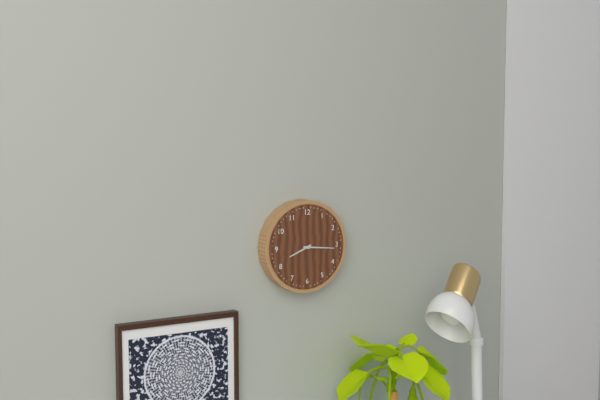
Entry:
h=8 m=16
